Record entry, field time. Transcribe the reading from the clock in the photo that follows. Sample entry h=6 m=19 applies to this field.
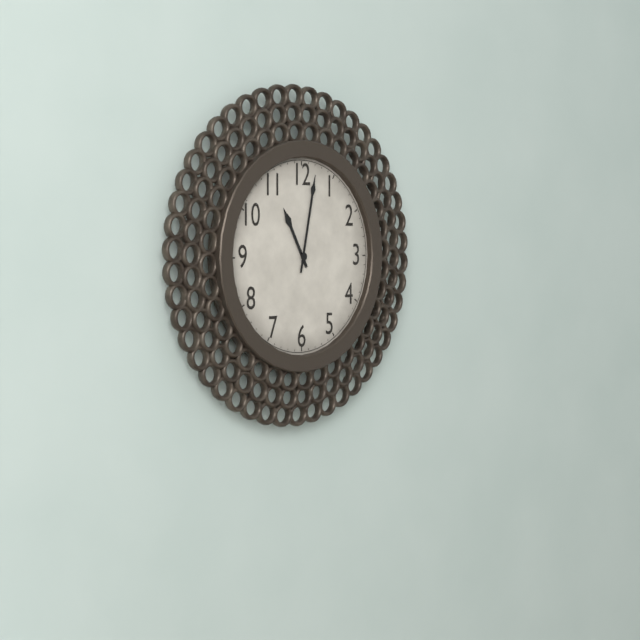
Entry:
h=11 m=2
